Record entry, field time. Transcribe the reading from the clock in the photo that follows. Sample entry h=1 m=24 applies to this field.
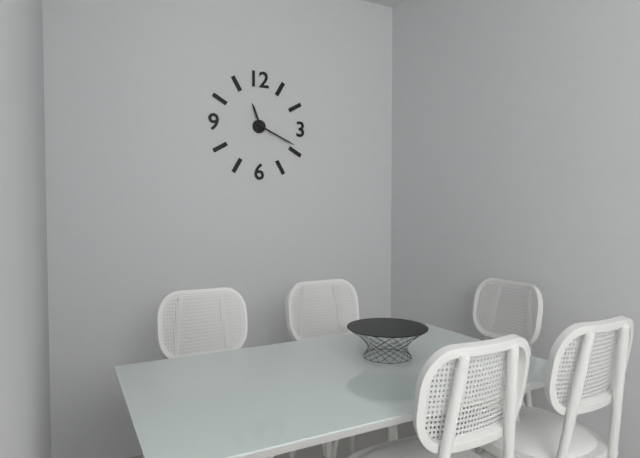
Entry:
h=11 m=19
